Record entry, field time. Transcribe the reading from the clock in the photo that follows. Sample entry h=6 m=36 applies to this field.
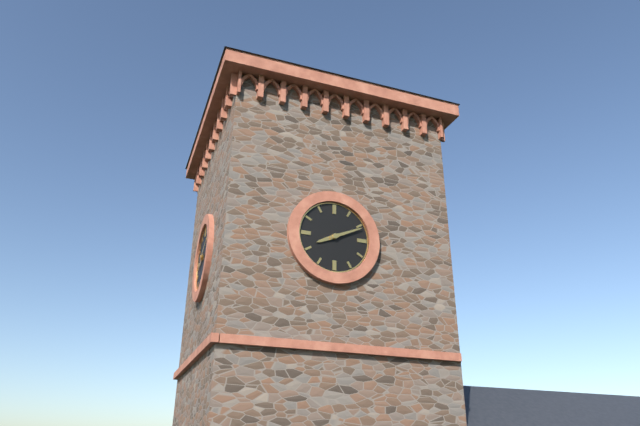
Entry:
h=8 m=11
